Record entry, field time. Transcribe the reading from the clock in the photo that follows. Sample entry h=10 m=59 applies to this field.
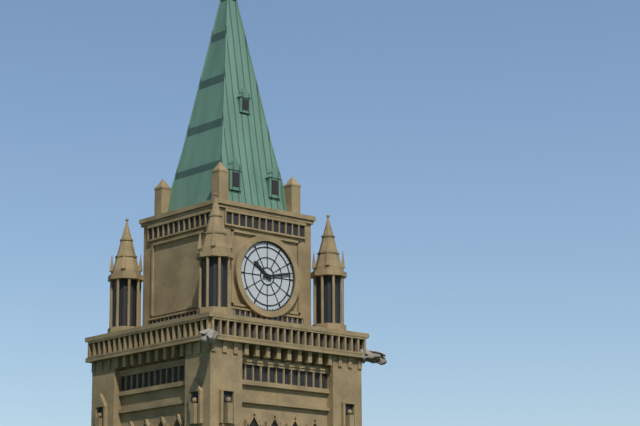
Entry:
h=10 m=13
